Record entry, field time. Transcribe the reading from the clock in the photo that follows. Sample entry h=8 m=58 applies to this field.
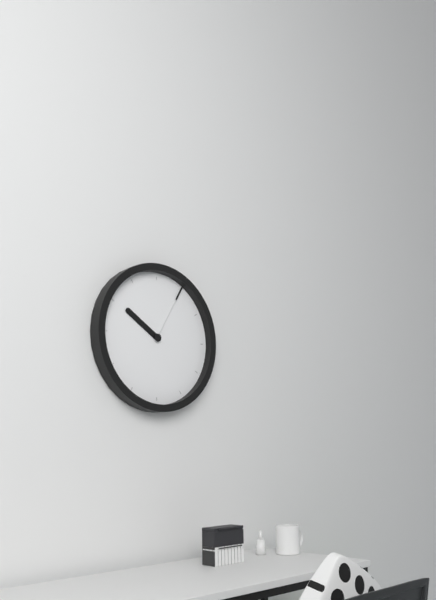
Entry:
h=10 m=5
